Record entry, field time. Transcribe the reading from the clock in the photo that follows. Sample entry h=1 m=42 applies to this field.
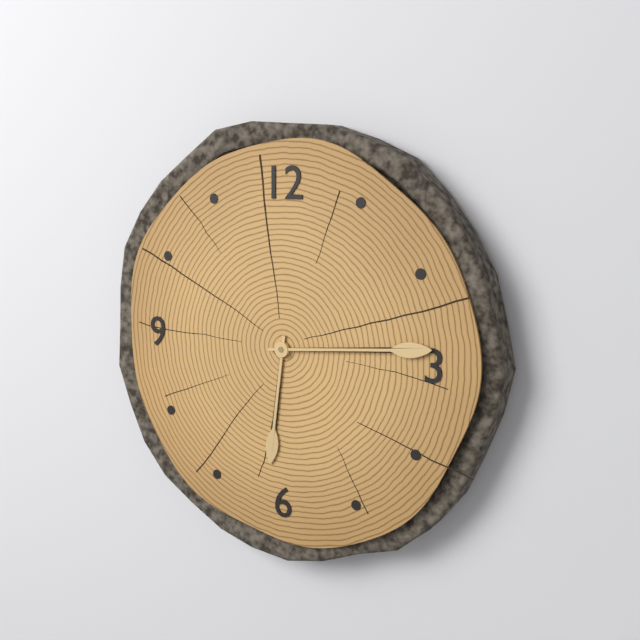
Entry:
h=6 m=14
